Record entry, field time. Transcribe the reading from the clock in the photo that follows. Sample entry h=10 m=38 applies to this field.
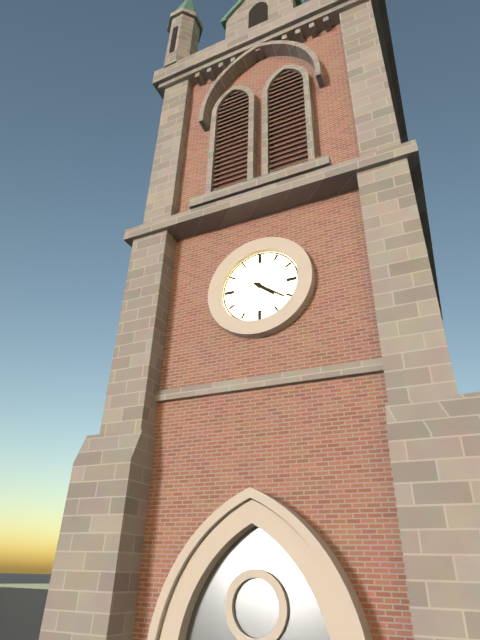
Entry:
h=4 m=21
